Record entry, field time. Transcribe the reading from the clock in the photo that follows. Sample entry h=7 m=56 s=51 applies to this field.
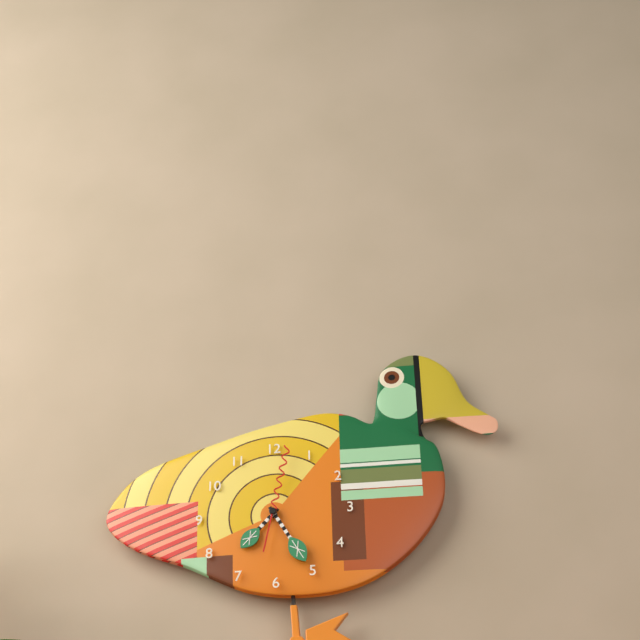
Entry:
h=7 m=25 s=2
